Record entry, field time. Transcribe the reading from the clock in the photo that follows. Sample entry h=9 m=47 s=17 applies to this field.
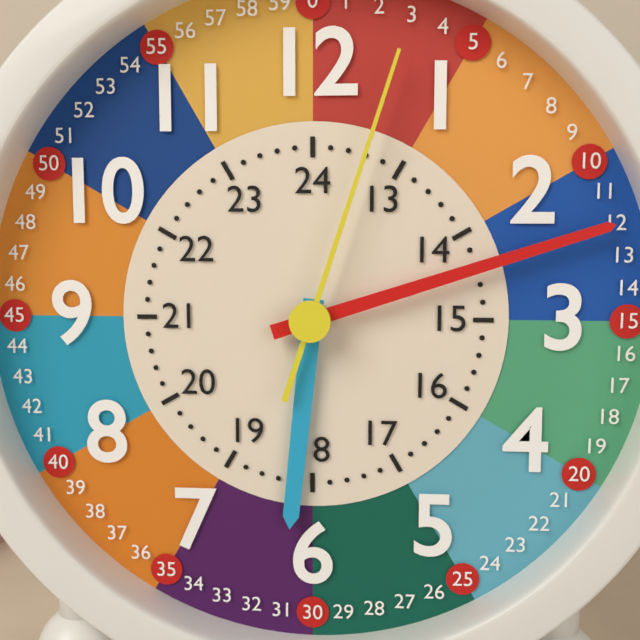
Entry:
h=6 m=12 s=3
